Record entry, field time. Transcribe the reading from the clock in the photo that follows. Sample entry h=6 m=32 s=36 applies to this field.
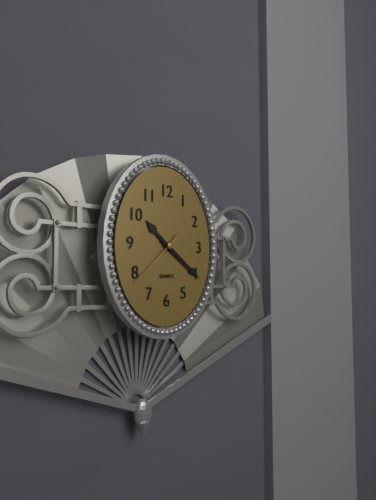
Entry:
h=10 m=21 s=38
